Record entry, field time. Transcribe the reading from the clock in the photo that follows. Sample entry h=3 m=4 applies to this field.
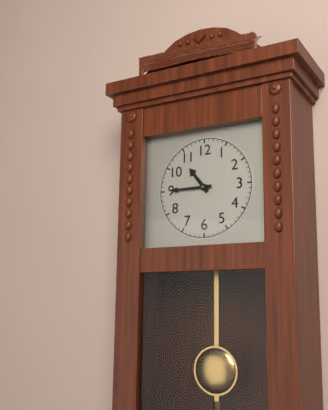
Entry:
h=10 m=45
